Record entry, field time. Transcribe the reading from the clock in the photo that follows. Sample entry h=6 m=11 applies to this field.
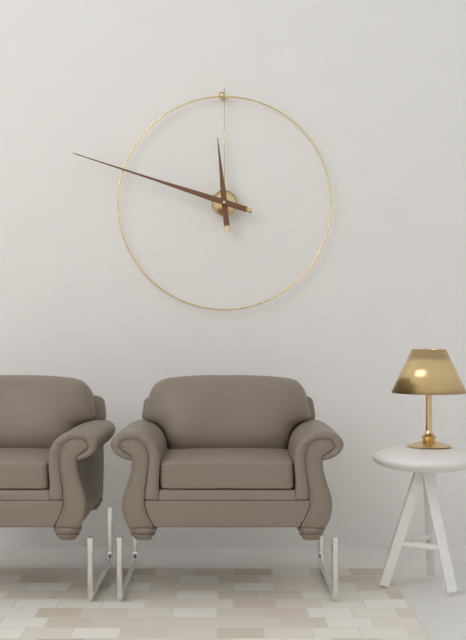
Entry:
h=11 m=48
